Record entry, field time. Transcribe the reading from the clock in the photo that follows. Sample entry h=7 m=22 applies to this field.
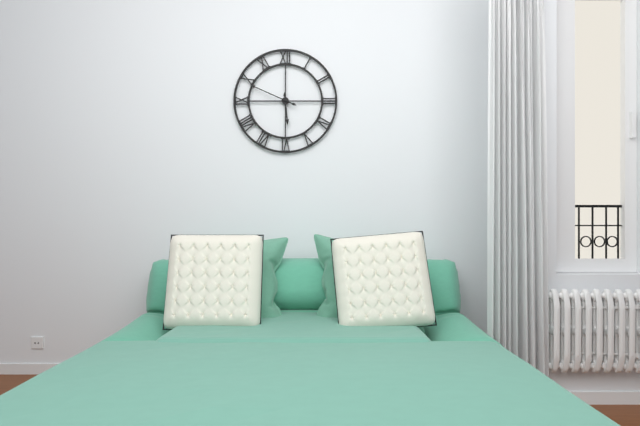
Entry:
h=5 m=49
